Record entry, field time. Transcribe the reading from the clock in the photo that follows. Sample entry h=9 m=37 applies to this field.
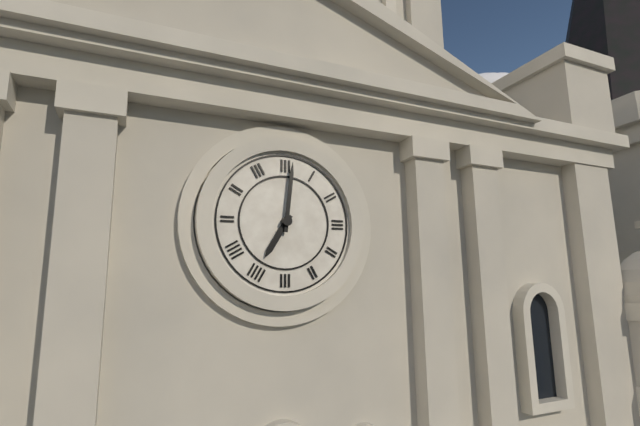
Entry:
h=7 m=1
